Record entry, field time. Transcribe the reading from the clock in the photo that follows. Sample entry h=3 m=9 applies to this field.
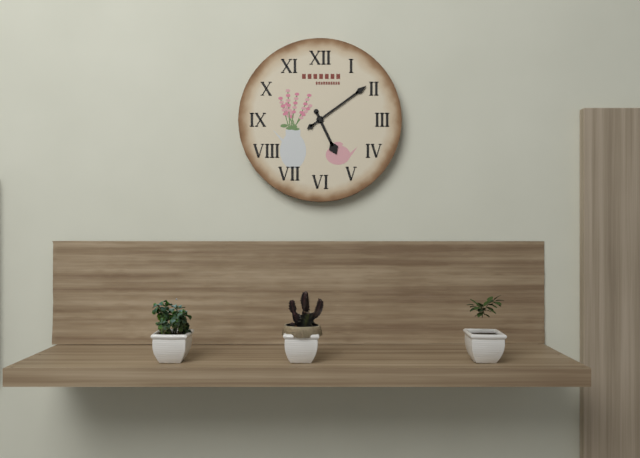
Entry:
h=5 m=9
